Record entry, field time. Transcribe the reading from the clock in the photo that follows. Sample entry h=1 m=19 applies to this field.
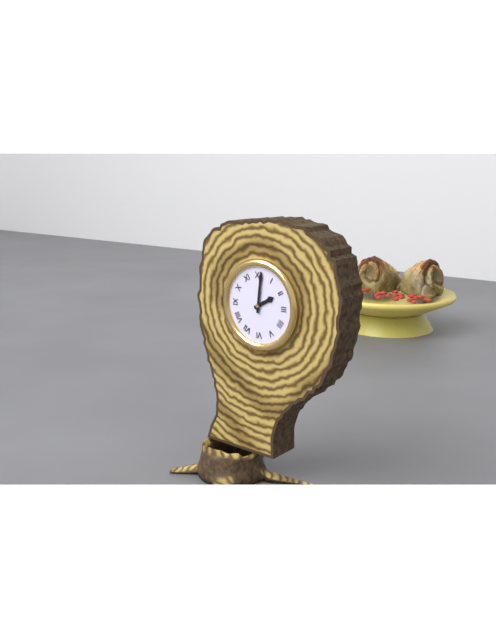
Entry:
h=2 m=1
